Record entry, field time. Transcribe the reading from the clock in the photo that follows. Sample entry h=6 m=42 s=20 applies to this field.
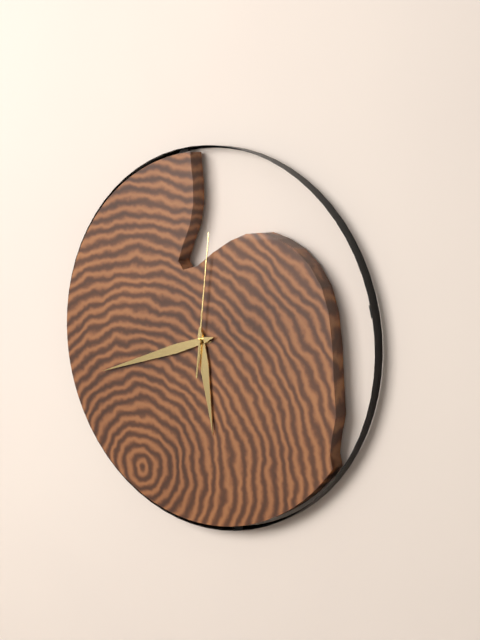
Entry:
h=5 m=42 s=1
